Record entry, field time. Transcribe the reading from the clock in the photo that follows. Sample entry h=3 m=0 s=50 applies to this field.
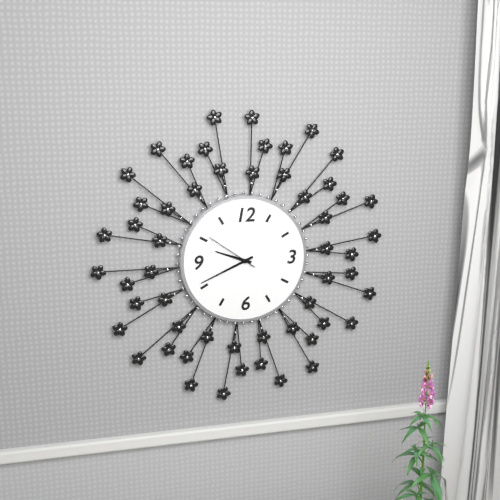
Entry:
h=9 m=41 s=51
